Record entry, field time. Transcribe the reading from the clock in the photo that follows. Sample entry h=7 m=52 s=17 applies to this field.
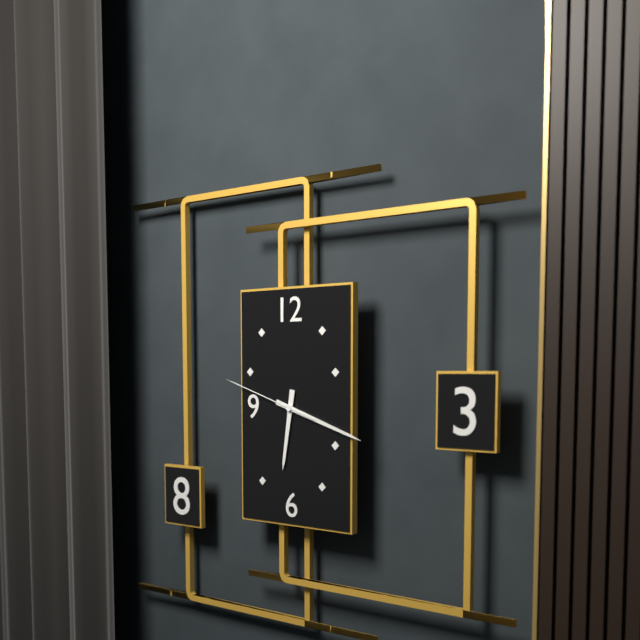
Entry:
h=6 m=18 s=48
